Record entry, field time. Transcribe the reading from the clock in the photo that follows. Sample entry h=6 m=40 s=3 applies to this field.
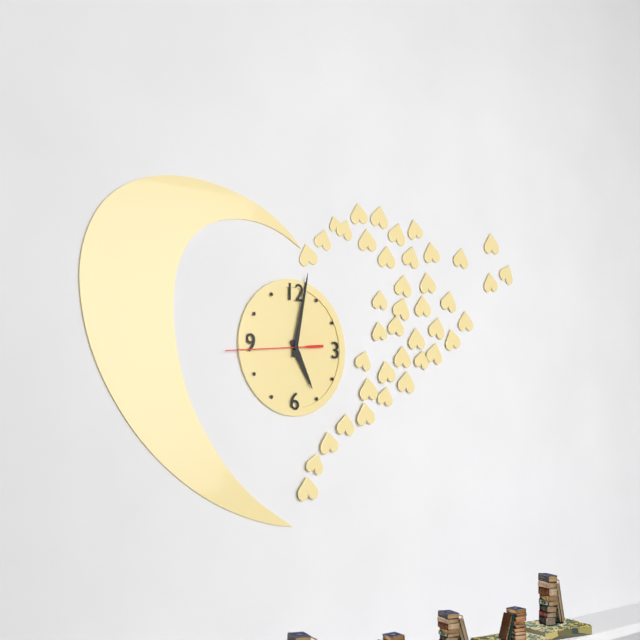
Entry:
h=5 m=2 s=44
